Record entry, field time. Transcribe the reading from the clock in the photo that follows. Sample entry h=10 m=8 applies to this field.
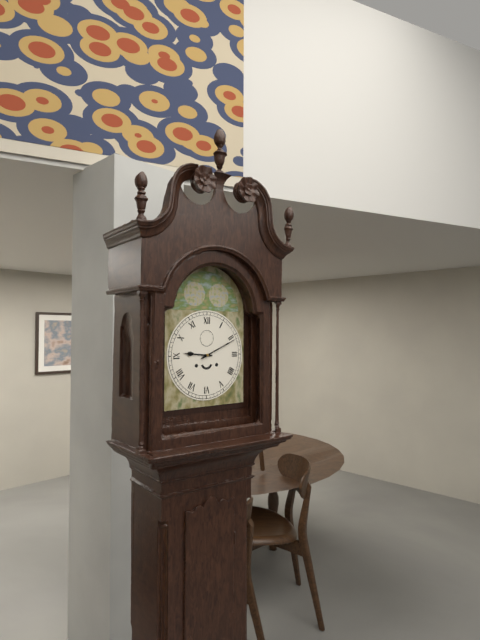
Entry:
h=9 m=11
